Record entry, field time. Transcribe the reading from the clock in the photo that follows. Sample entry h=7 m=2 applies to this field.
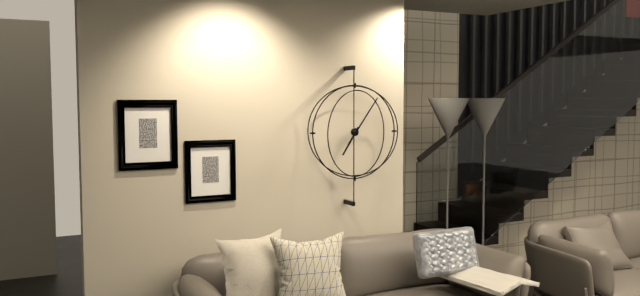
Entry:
h=7 m=6
